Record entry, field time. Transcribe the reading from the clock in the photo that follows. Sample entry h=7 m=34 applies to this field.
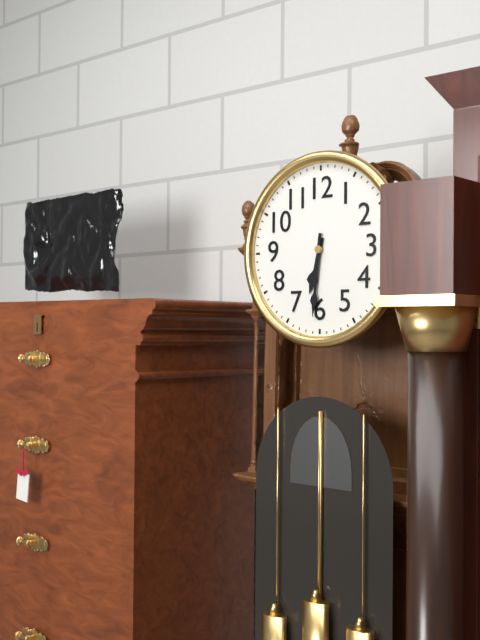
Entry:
h=6 m=31
